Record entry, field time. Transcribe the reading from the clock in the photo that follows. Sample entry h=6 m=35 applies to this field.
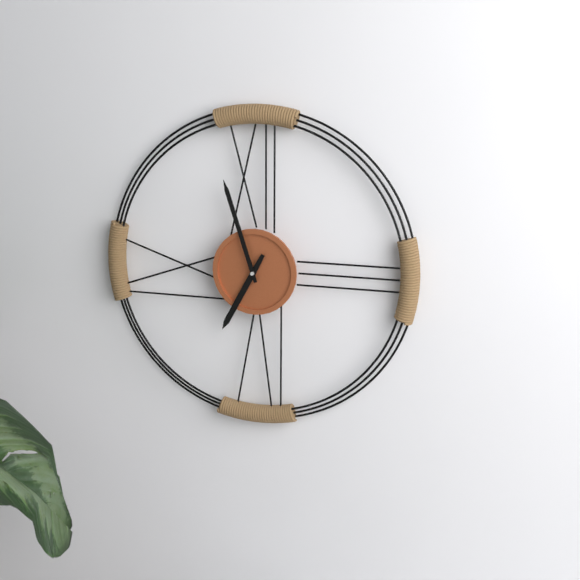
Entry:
h=6 m=57
